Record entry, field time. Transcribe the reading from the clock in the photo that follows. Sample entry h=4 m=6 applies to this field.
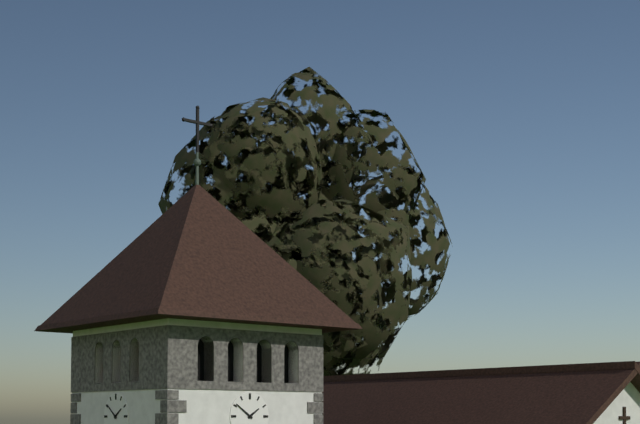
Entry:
h=1 m=51
